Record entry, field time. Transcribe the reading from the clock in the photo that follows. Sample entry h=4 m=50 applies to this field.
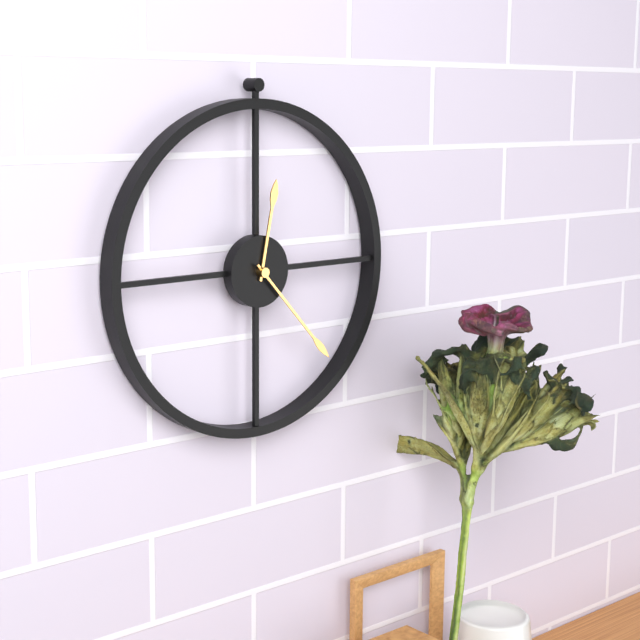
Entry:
h=12 m=23
